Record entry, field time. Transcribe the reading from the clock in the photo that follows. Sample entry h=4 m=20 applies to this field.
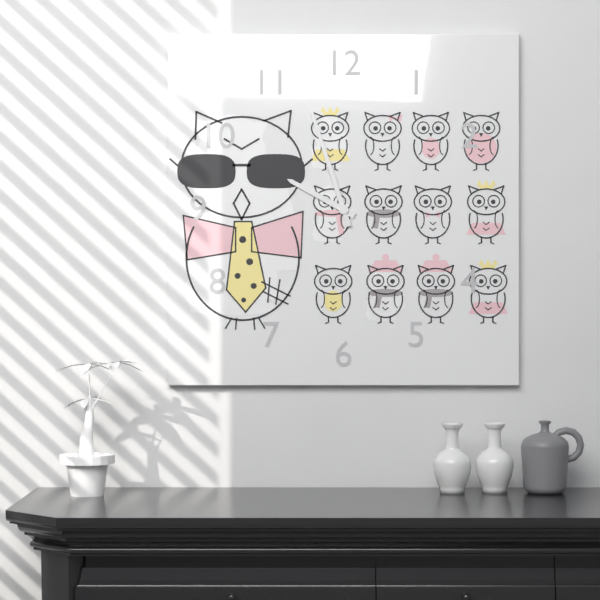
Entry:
h=9 m=57
